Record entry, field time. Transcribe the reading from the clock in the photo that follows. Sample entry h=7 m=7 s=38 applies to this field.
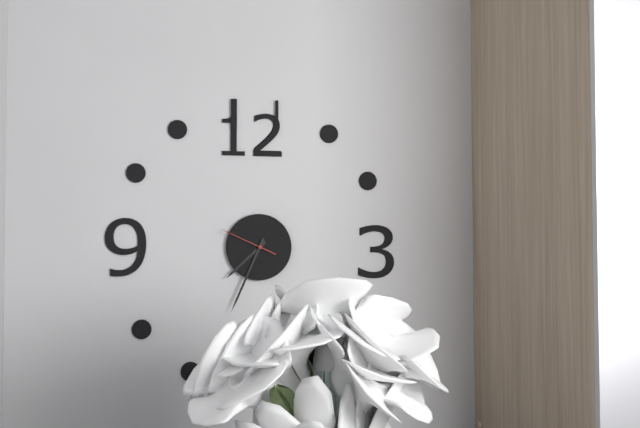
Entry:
h=7 m=34 s=49
